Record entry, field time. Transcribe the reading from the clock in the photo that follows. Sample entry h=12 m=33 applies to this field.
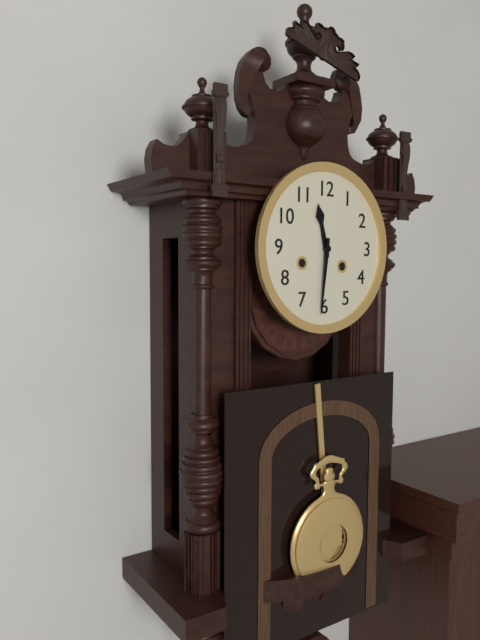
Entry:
h=11 m=31
